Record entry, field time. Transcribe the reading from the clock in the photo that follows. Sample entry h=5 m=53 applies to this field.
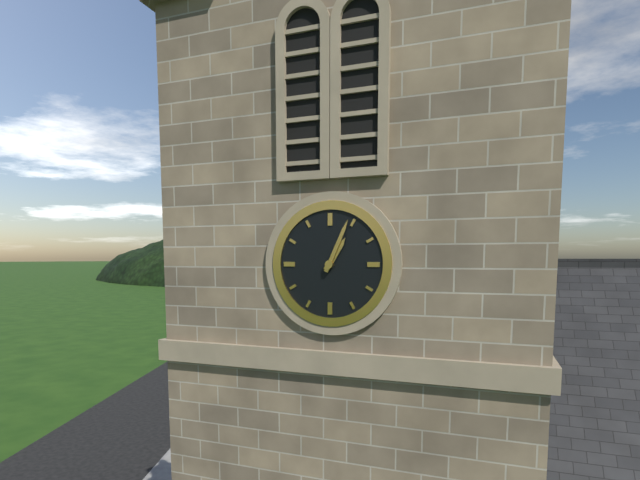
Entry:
h=1 m=4
